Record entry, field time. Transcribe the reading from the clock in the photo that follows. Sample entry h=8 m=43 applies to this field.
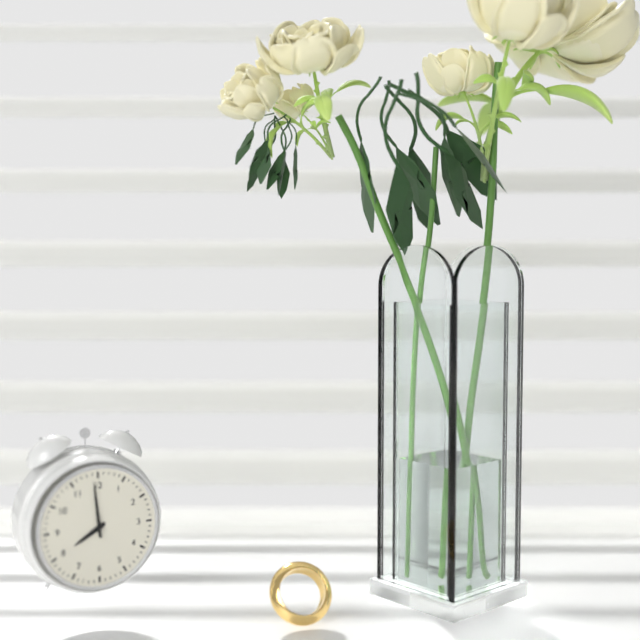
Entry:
h=7 m=59
